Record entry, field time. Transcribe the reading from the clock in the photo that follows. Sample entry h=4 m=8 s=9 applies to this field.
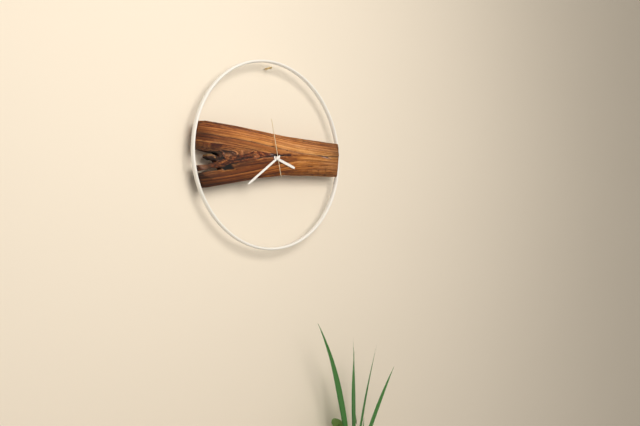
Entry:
h=3 m=39 s=58
